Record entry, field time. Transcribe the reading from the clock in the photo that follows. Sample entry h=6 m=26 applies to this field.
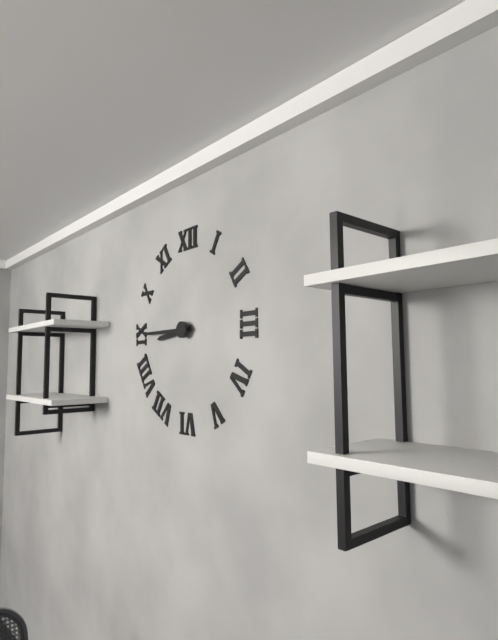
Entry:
h=8 m=45
